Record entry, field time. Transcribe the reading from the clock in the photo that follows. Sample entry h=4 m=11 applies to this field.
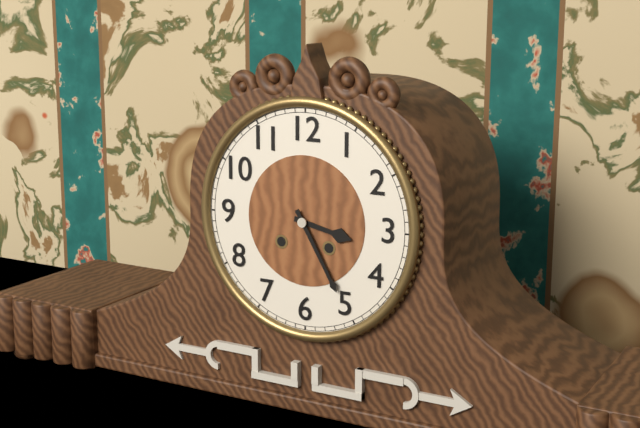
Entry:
h=3 m=25
